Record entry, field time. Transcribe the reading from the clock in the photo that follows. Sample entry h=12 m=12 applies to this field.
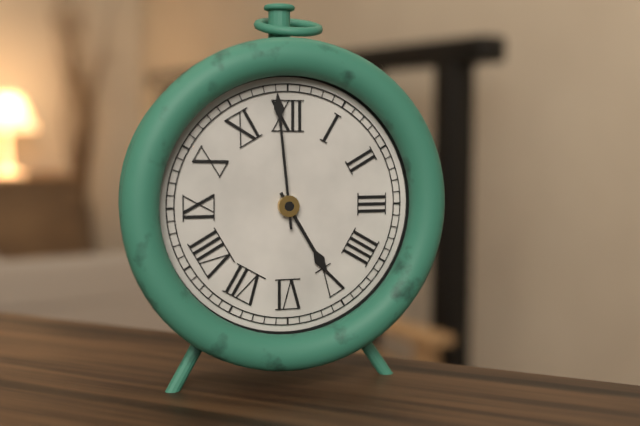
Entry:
h=4 m=59
